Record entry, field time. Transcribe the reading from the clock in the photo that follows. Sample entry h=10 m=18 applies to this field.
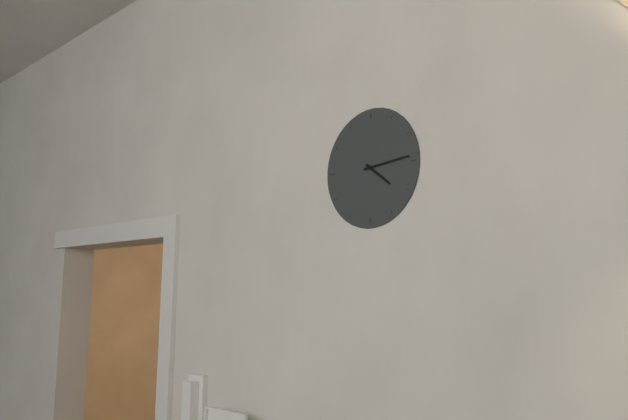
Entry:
h=4 m=14
